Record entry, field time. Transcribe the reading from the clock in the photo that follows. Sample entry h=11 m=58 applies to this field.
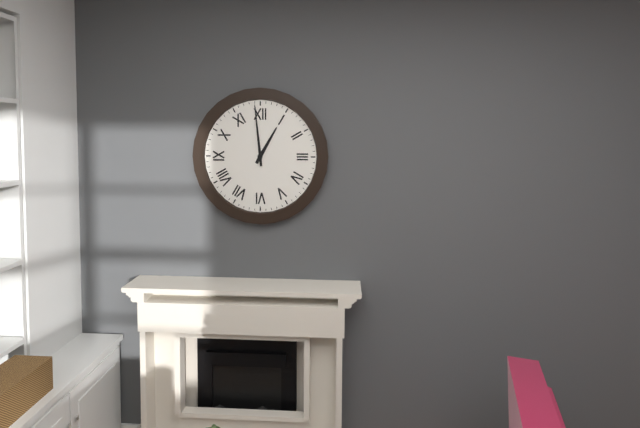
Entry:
h=12 m=59
